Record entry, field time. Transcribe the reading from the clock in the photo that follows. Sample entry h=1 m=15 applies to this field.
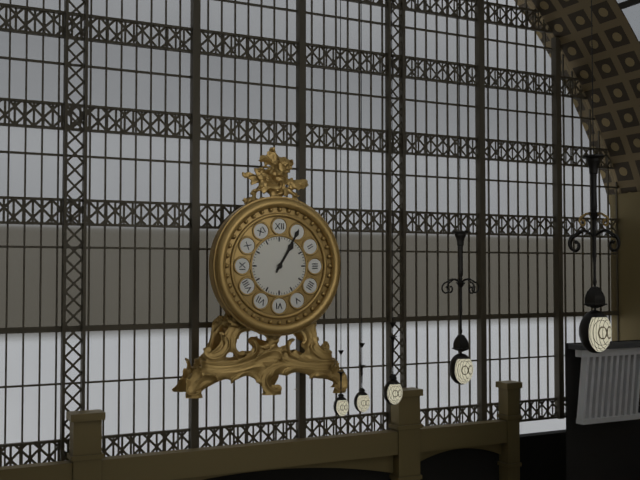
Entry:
h=1 m=5
